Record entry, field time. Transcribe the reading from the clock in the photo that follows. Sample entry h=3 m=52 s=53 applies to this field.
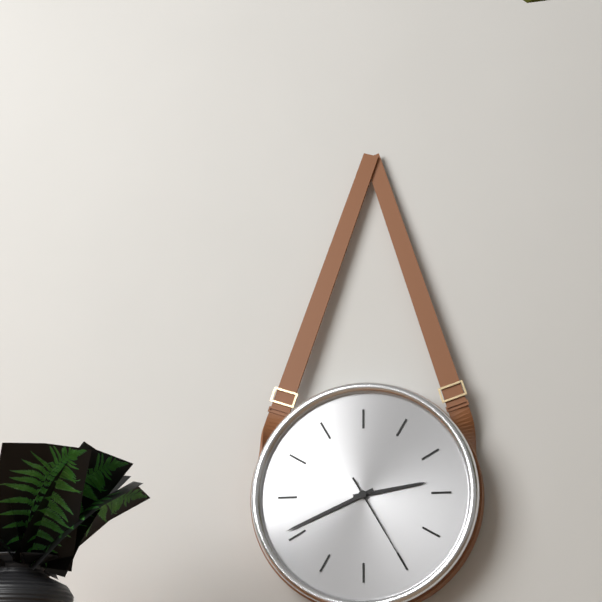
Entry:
h=2 m=41 s=25
